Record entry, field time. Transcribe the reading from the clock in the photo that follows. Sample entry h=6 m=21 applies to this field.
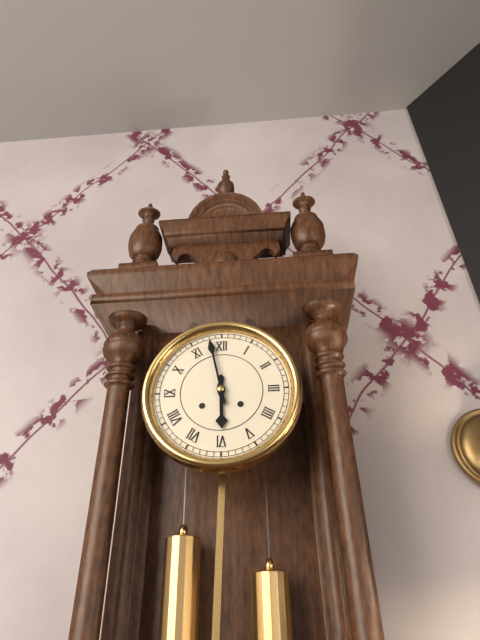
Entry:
h=5 m=58
